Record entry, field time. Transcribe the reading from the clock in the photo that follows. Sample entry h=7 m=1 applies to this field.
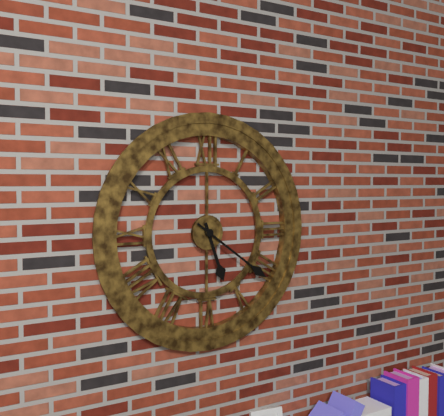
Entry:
h=5 m=21
